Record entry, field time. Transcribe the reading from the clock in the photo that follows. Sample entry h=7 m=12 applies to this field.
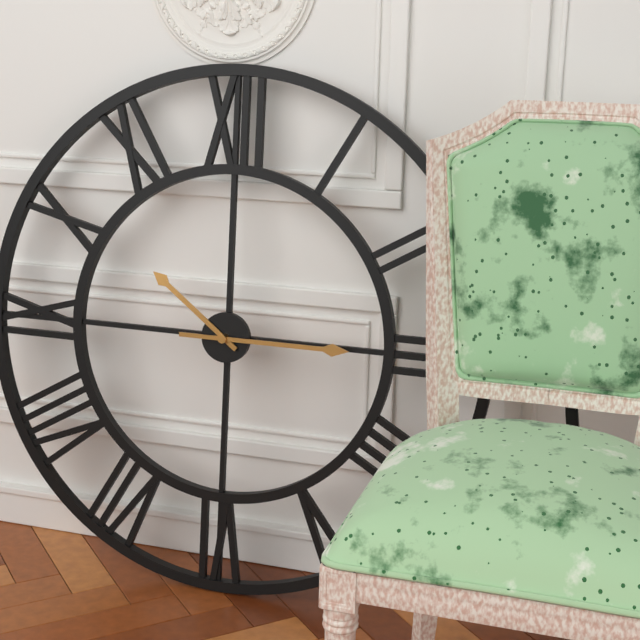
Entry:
h=10 m=15
